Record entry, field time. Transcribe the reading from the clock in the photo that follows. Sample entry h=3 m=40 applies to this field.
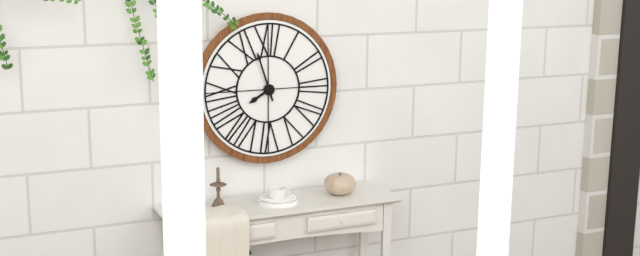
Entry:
h=7 m=57
